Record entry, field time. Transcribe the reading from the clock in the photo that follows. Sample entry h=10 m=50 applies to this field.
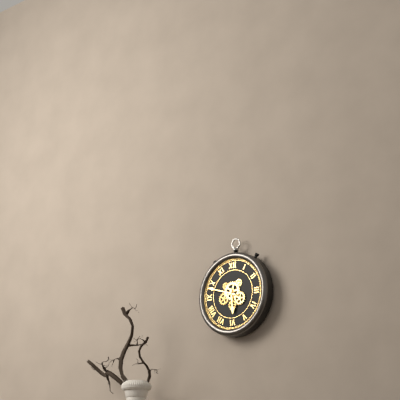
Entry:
h=5 m=48
